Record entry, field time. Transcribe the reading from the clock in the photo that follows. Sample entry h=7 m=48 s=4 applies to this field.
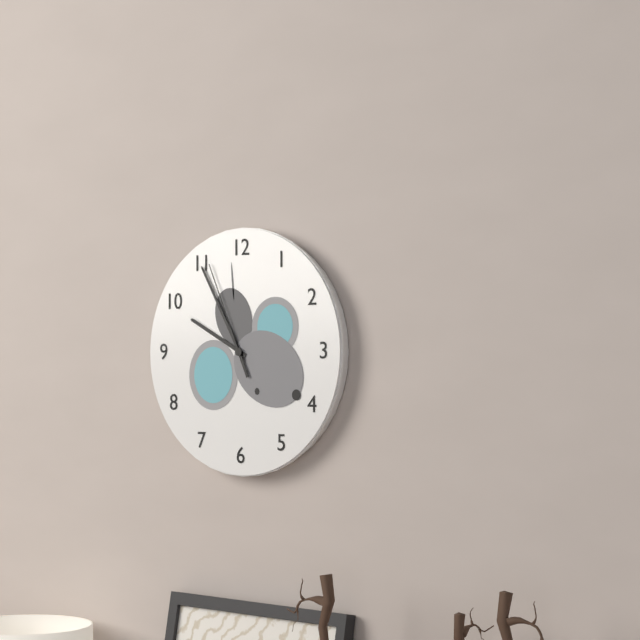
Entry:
h=9 m=55 s=56
